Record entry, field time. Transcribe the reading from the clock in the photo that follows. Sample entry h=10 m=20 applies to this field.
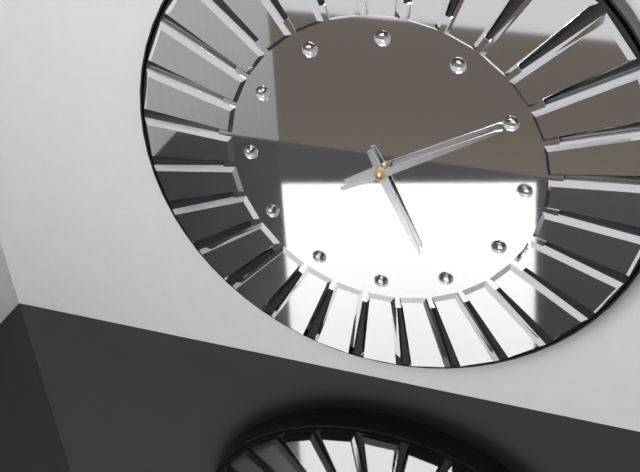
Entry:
h=5 m=10
